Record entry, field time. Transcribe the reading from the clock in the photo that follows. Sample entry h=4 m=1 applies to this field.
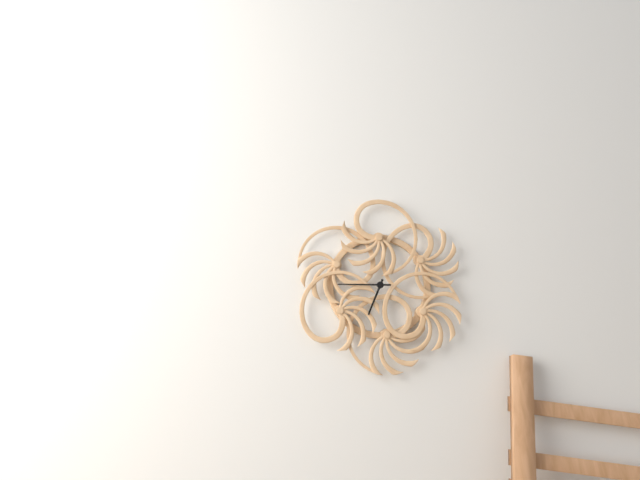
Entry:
h=6 m=45
